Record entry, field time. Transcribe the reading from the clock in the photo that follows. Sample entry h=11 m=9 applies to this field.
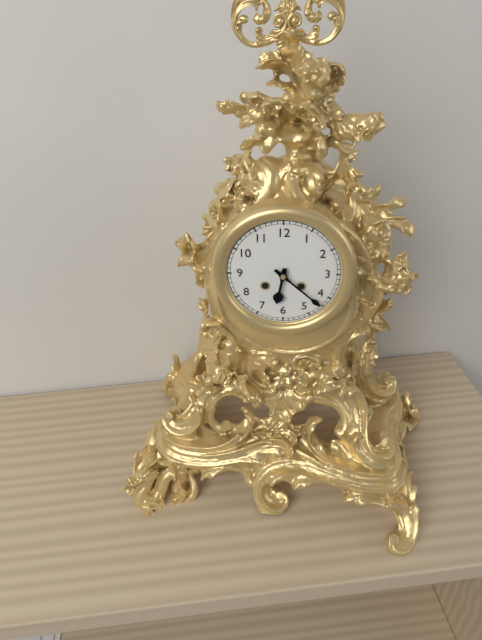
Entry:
h=6 m=22
